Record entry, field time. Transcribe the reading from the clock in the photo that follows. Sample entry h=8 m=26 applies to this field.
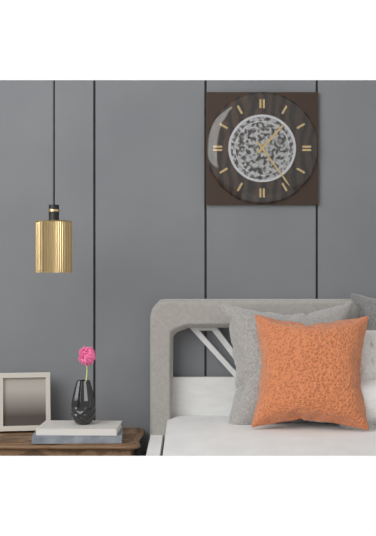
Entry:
h=1 m=24
